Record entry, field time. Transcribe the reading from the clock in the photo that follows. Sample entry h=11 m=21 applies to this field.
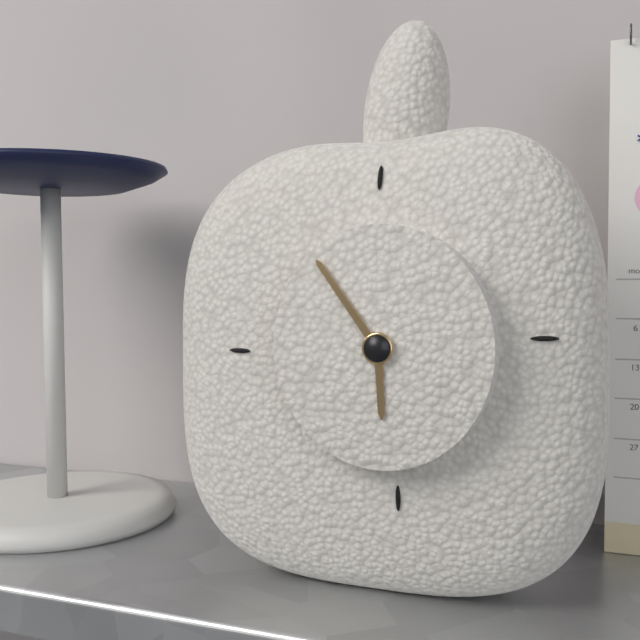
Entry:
h=5 m=54
